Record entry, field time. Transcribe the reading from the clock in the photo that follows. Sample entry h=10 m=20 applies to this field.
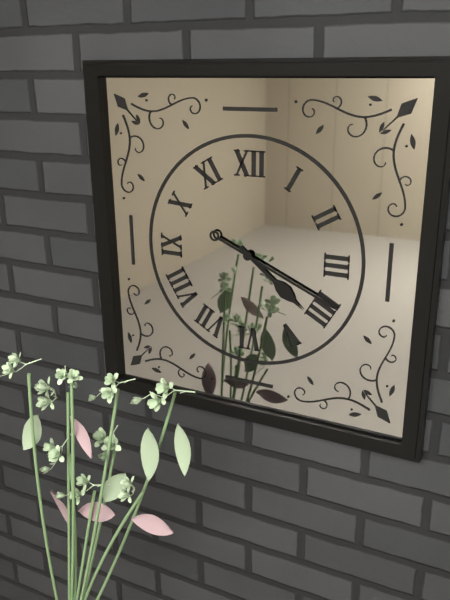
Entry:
h=4 m=19
